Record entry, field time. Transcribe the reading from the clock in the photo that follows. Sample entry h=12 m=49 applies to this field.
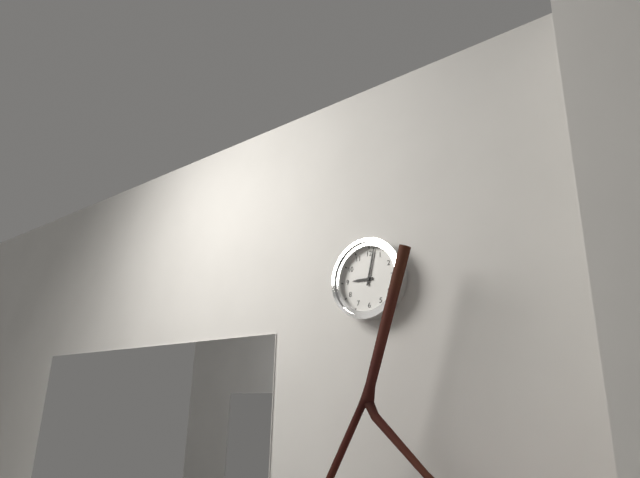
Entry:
h=9 m=2
